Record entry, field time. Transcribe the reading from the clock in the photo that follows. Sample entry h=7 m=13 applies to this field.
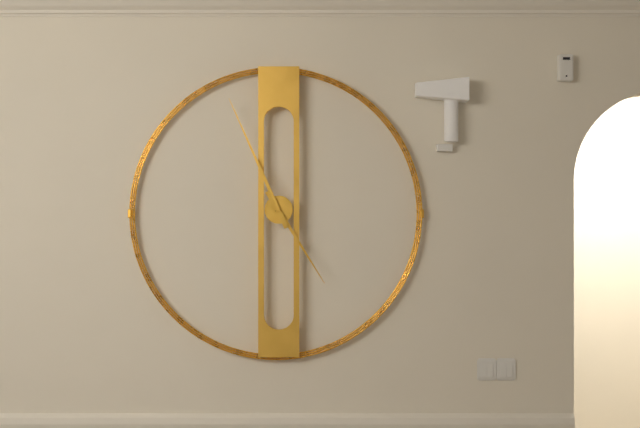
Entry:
h=4 m=56
